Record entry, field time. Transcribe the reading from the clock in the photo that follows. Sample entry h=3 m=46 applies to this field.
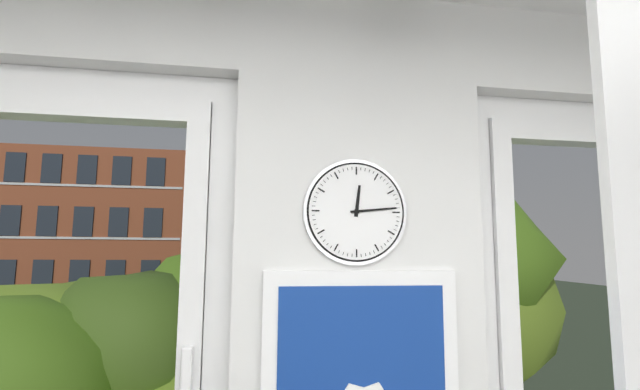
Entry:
h=12 m=14
